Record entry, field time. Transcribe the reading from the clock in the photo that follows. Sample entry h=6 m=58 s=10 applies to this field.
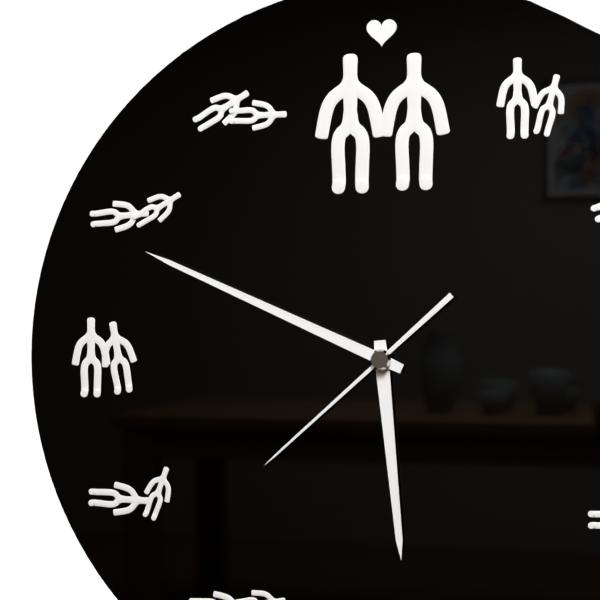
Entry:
h=5 m=49 s=38
